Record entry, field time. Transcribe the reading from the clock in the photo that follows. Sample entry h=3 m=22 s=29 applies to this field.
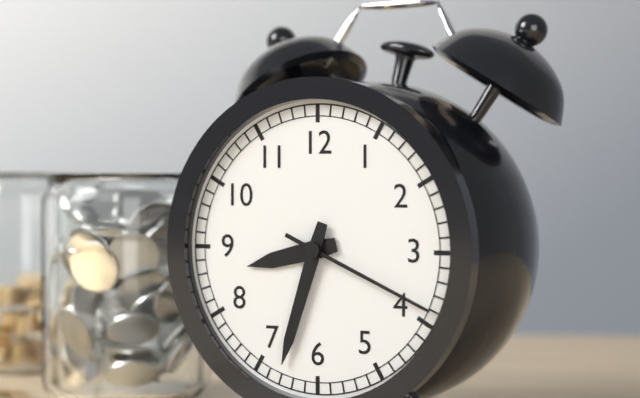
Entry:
h=8 m=33 s=19
